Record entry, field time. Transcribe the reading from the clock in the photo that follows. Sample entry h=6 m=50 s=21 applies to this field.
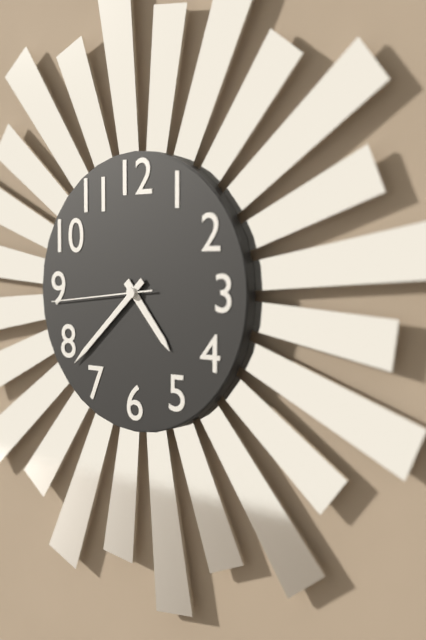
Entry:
h=4 m=38 s=44
